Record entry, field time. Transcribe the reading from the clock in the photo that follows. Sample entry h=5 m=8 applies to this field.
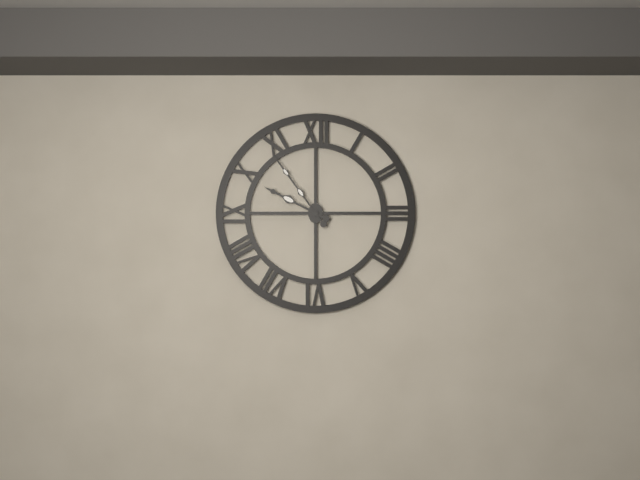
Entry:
h=9 m=54
